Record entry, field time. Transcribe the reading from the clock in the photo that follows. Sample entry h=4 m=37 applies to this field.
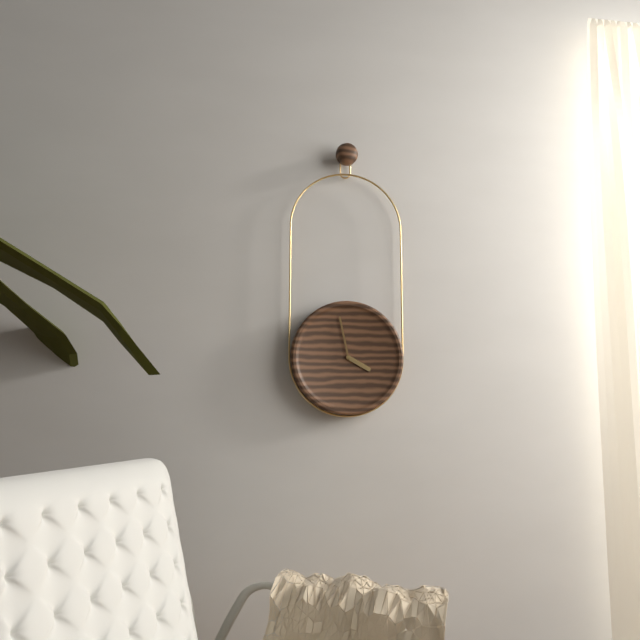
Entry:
h=3 m=58
